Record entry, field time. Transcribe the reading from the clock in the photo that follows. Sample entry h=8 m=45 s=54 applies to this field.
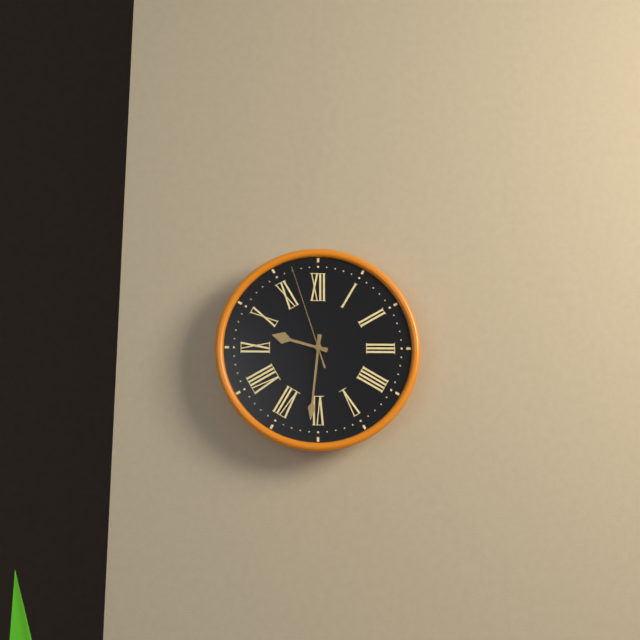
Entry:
h=9 m=31 s=57
